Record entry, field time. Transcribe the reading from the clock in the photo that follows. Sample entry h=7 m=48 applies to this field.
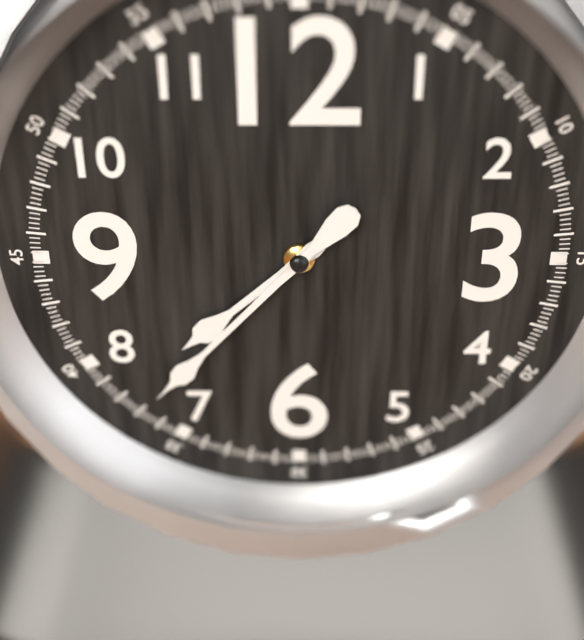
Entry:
h=7 m=37
